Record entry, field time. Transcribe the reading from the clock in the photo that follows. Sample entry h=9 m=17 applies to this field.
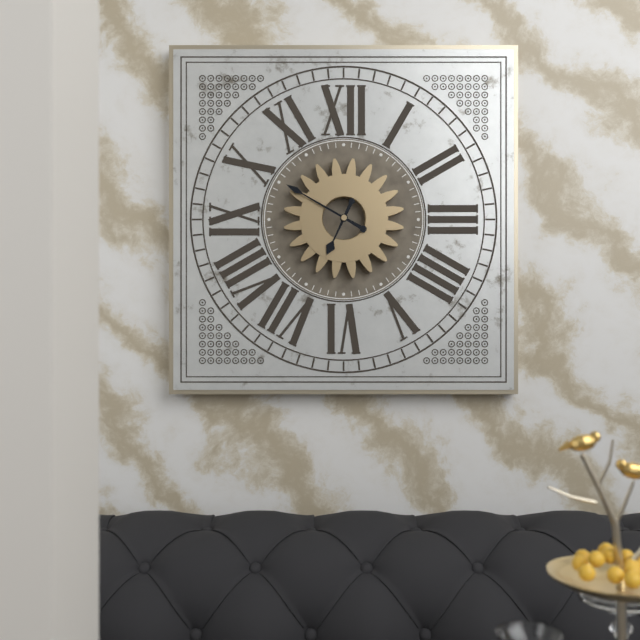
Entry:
h=6 m=50
